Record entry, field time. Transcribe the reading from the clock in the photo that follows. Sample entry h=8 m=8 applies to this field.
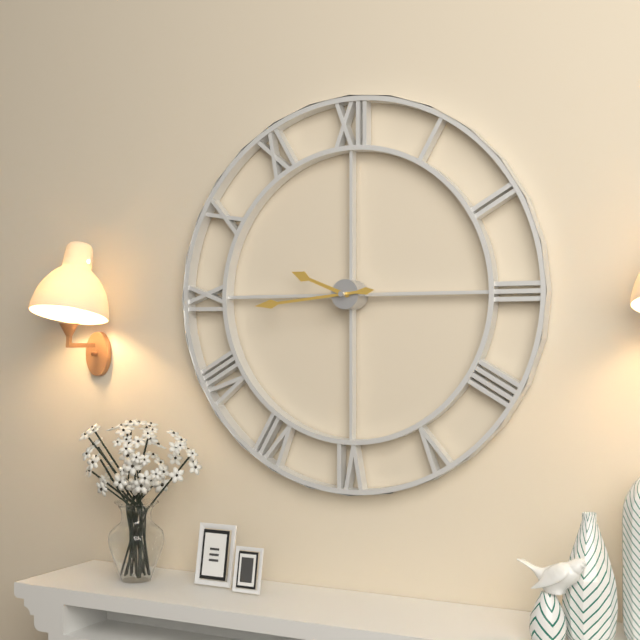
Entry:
h=9 m=44
